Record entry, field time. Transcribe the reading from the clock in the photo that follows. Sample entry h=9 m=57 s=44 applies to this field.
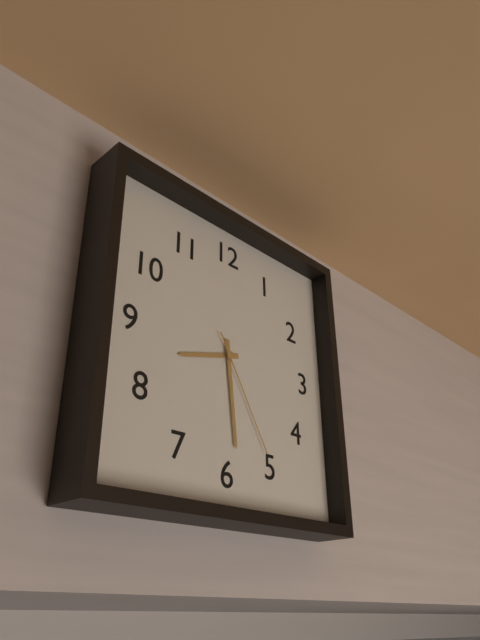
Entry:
h=8 m=29 s=25
